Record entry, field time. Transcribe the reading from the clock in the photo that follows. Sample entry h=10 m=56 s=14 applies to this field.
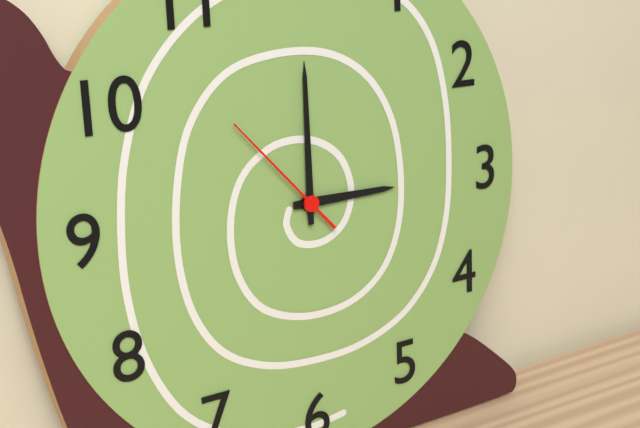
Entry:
h=3 m=0 s=53
